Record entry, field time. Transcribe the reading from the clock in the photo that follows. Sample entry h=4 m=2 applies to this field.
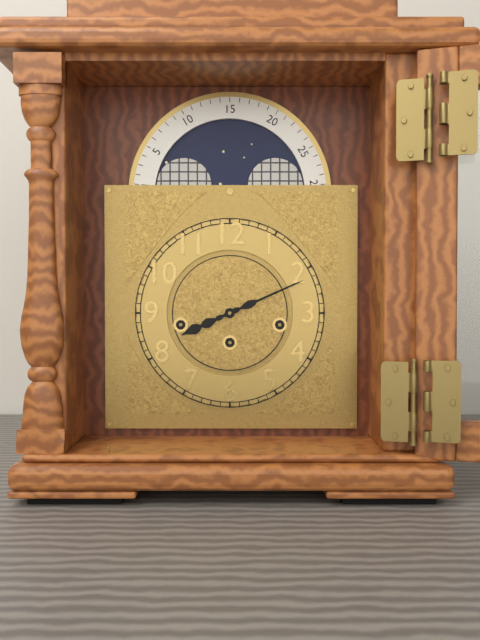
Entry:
h=8 m=11
